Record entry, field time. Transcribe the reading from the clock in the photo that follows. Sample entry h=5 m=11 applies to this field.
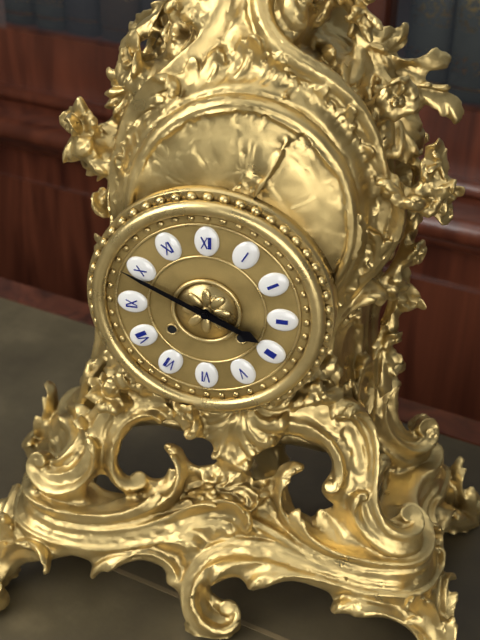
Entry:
h=3 m=49
